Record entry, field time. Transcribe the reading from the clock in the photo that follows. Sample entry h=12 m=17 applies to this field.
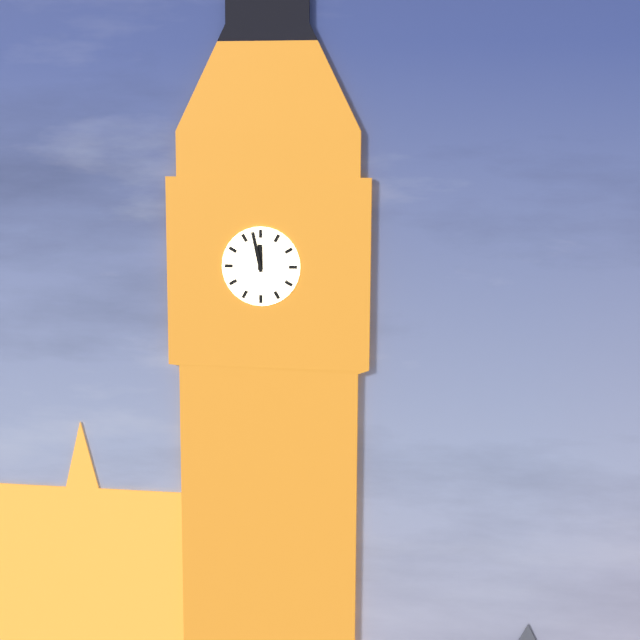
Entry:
h=11 m=58
